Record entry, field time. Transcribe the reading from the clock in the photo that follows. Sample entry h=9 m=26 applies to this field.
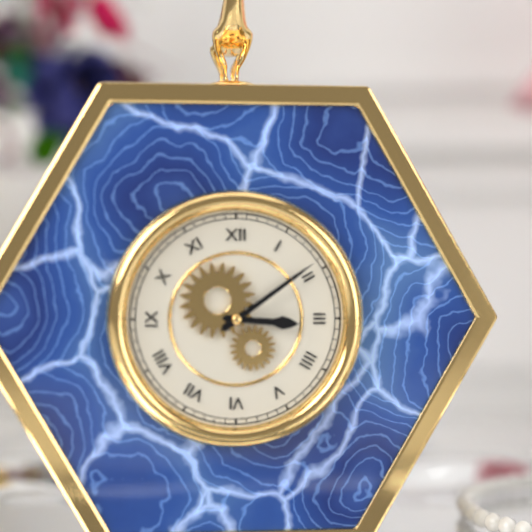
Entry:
h=3 m=9
